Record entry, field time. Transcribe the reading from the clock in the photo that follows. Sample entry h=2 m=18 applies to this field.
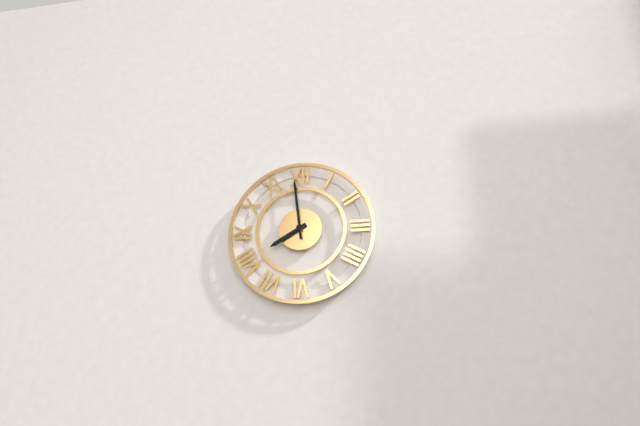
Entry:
h=7 m=59
